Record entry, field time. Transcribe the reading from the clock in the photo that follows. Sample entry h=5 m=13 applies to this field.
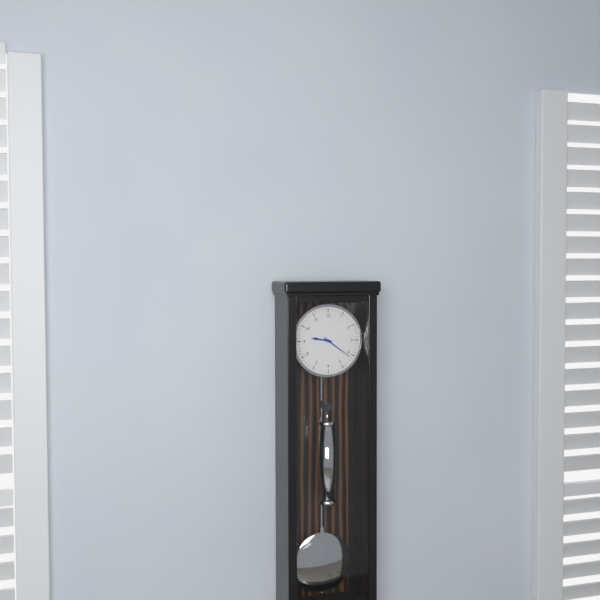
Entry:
h=9 m=21
